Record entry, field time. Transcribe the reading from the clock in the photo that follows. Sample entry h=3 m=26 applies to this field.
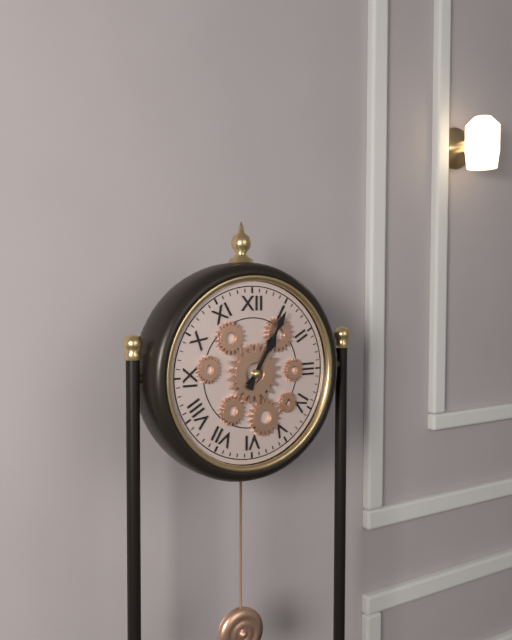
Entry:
h=1 m=5
